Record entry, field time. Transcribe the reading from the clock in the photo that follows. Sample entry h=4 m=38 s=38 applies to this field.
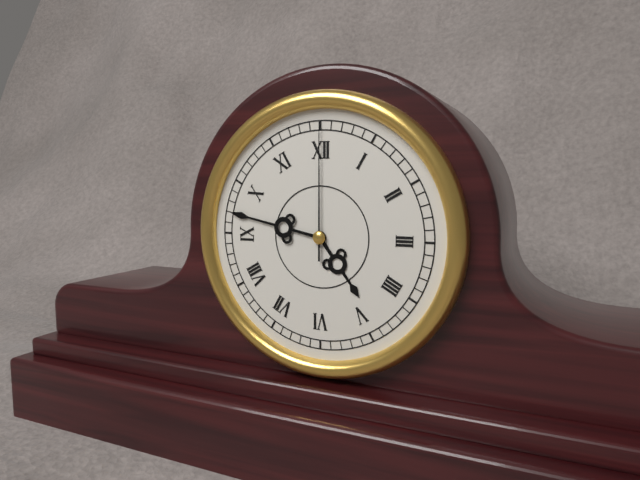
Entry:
h=4 m=47 s=0
